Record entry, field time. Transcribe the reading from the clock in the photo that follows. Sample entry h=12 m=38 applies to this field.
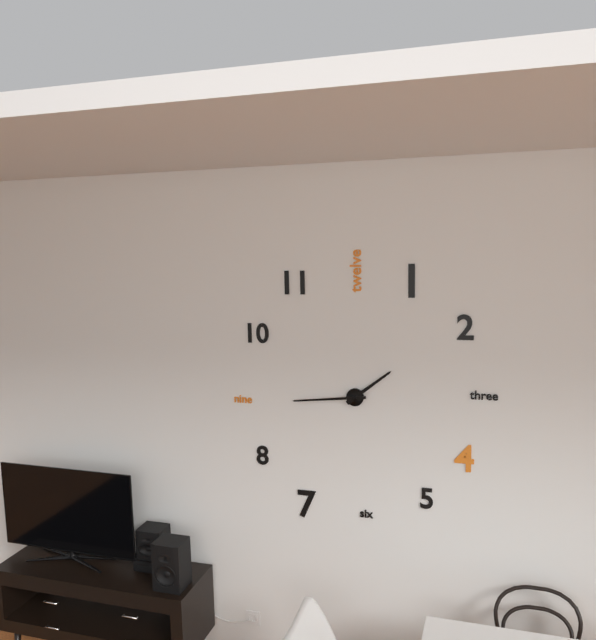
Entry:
h=1 m=44
